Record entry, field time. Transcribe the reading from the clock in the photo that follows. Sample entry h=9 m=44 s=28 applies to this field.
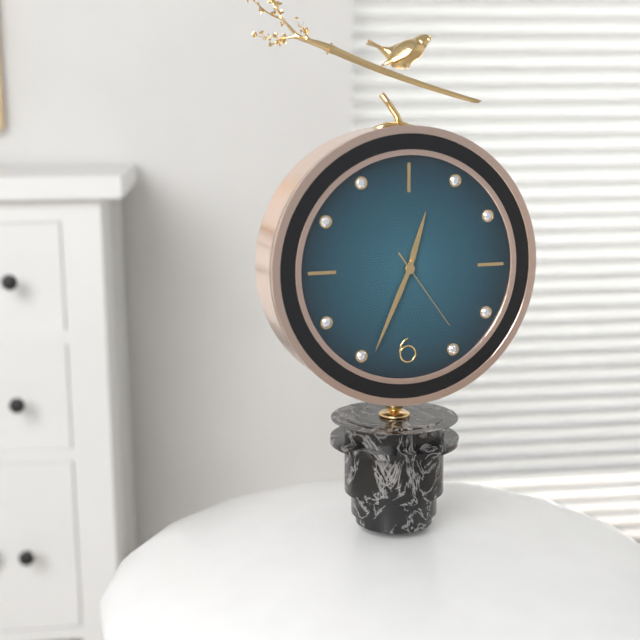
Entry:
h=12 m=34 s=24
